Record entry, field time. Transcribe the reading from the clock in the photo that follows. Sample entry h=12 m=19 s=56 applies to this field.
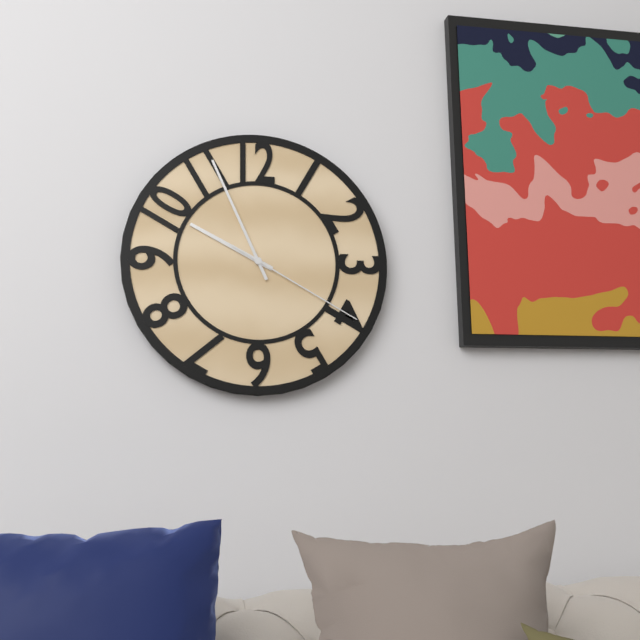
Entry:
h=9 m=56 s=20
